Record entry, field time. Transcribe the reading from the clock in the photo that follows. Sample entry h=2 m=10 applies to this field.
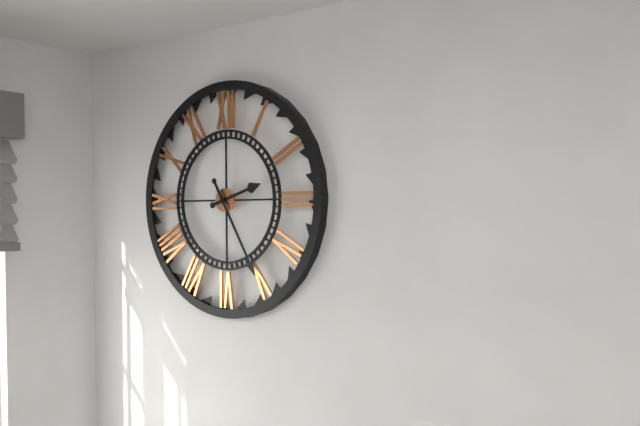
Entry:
h=2 m=25
